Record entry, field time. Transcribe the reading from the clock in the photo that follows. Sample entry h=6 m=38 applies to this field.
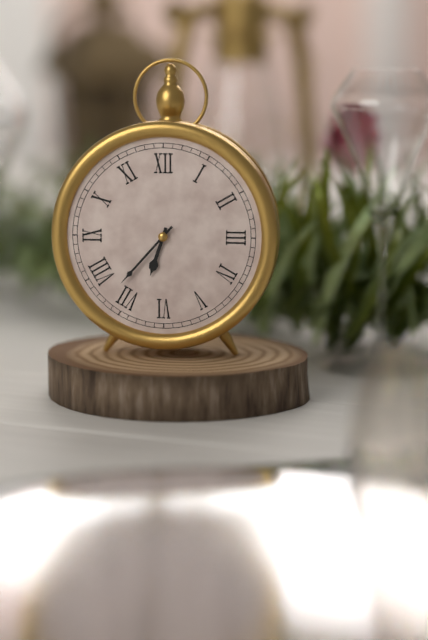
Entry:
h=6 m=37
